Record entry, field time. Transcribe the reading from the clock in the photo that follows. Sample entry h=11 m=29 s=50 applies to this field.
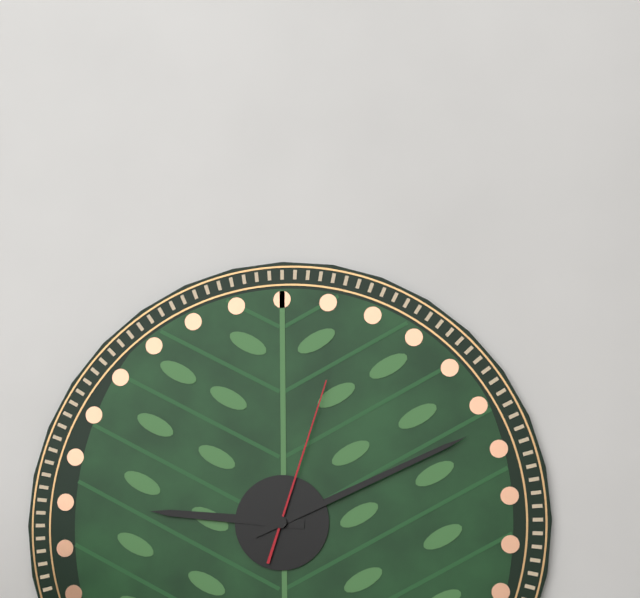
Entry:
h=9 m=11 s=3
